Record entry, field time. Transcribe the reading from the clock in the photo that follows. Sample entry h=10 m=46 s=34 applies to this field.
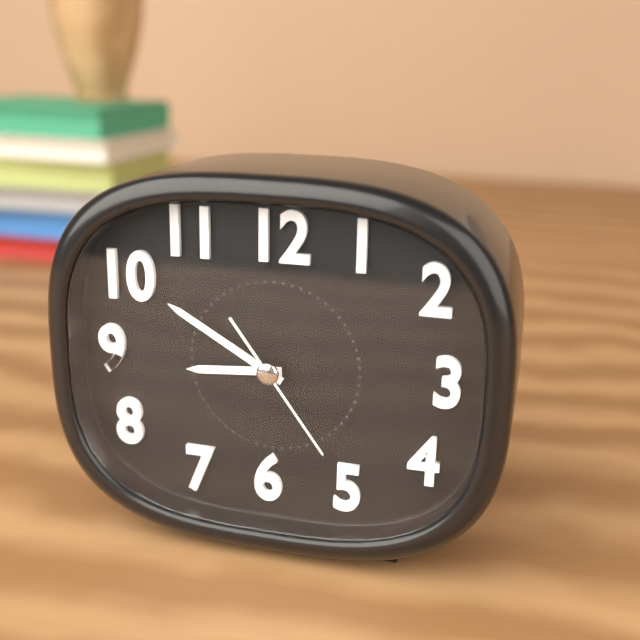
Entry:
h=8 m=50 s=24
